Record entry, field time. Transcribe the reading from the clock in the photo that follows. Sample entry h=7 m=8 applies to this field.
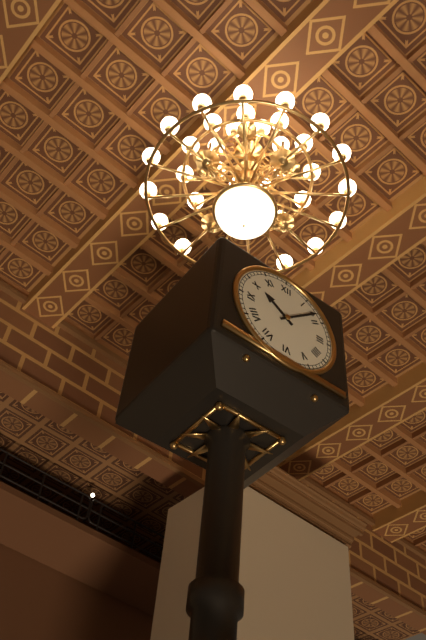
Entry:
h=10 m=8
